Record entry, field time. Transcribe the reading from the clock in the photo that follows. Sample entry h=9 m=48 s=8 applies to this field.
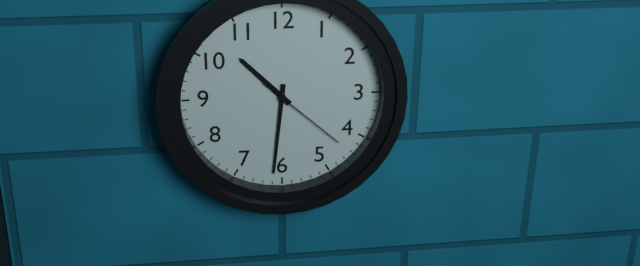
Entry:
h=10 m=31 s=22
